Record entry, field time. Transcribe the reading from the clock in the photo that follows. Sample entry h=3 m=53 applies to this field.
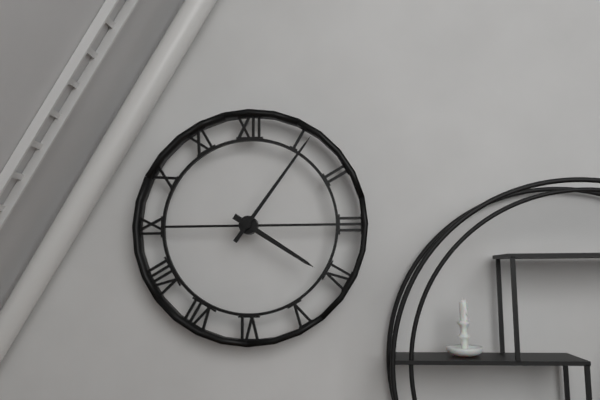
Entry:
h=4 m=6
